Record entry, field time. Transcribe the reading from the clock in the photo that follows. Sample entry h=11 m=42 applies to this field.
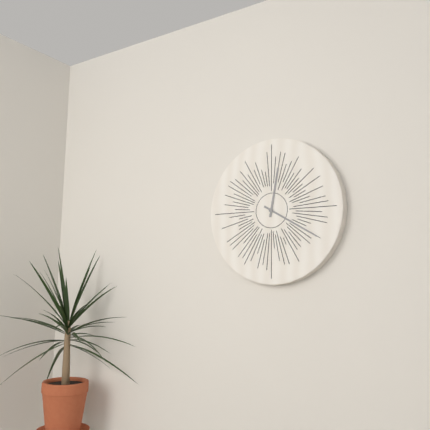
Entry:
h=12 m=20
